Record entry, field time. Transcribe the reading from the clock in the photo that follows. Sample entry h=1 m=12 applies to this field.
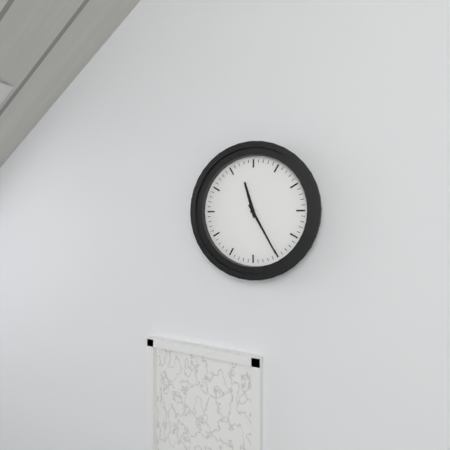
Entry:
h=11 m=25
